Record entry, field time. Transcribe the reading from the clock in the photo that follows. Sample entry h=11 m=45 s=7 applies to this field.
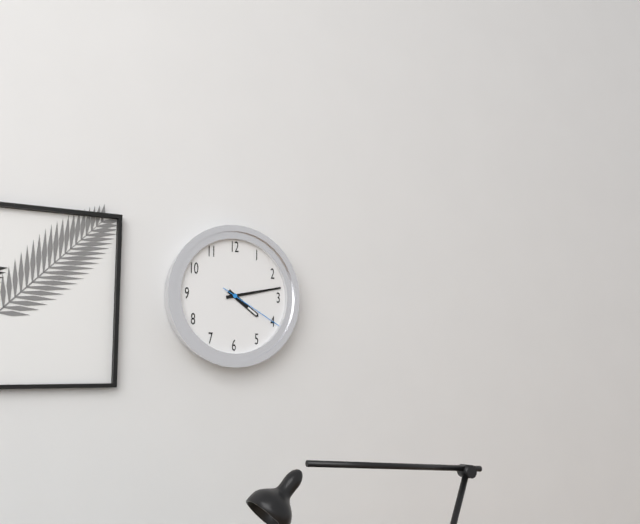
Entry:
h=4 m=13 s=20
